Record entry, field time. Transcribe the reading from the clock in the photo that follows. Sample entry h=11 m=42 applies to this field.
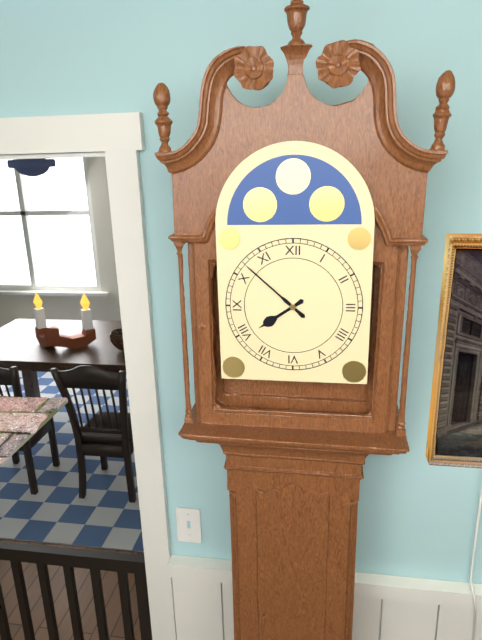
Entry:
h=7 m=52
